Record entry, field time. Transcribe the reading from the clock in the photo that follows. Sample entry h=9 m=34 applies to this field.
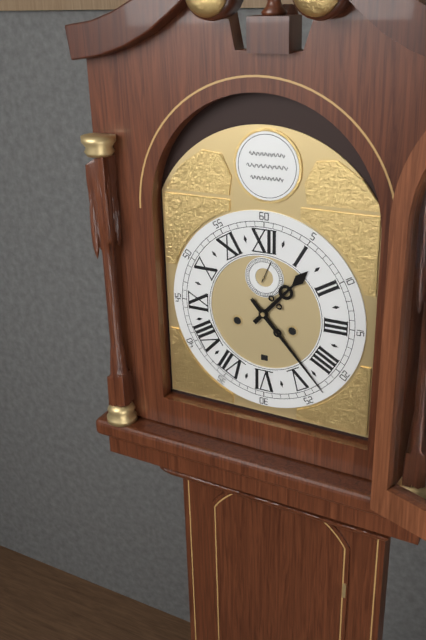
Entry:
h=1 m=23
